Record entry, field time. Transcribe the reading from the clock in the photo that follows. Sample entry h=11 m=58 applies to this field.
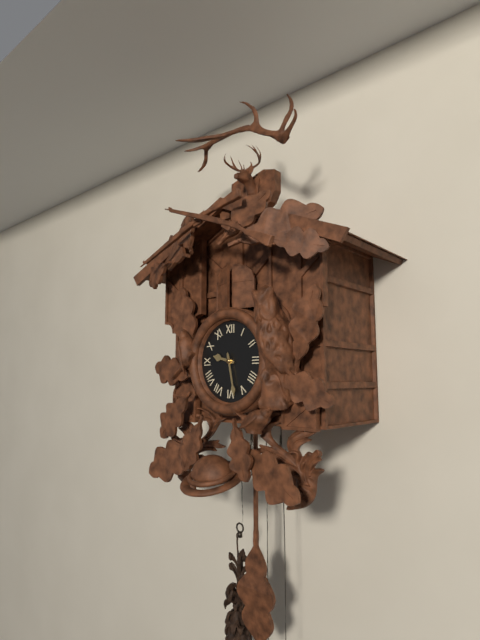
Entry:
h=9 m=28
